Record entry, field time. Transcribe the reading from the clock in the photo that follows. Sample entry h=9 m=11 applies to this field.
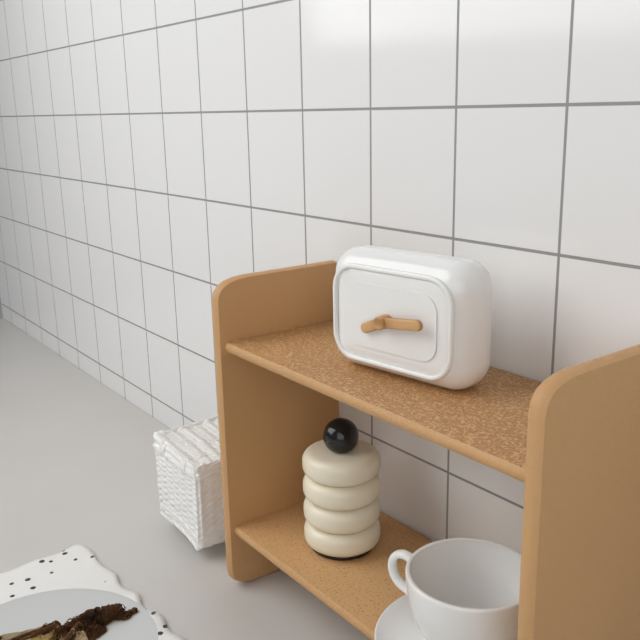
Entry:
h=8 m=14
